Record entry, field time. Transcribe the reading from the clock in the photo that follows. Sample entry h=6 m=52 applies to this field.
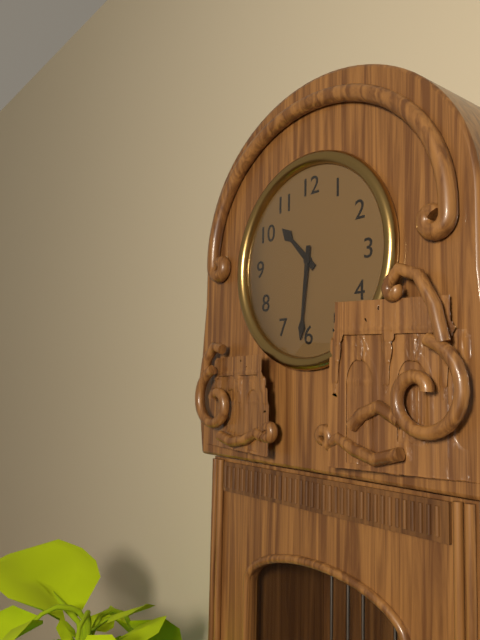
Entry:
h=10 m=31
